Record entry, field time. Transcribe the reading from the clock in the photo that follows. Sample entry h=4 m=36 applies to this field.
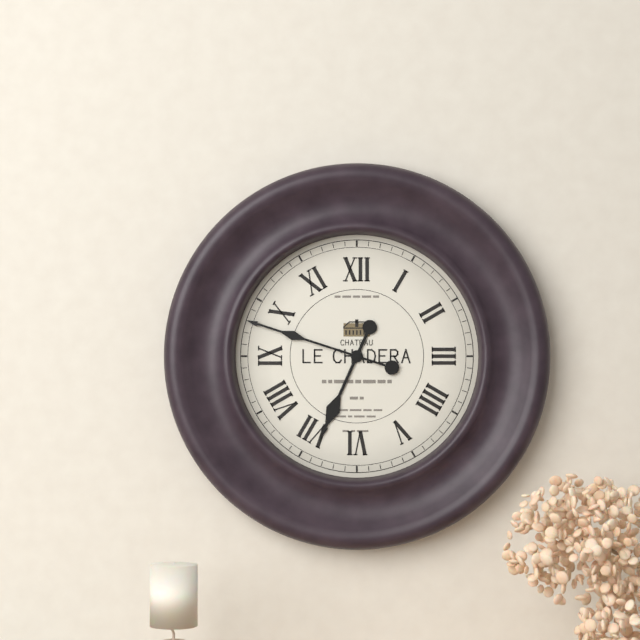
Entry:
h=6 m=48
